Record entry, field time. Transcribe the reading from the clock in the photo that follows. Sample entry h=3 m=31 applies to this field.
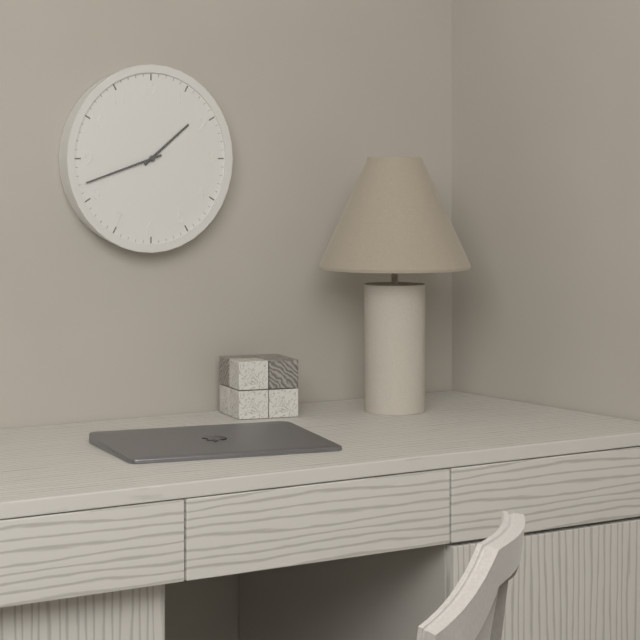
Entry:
h=1 m=42
